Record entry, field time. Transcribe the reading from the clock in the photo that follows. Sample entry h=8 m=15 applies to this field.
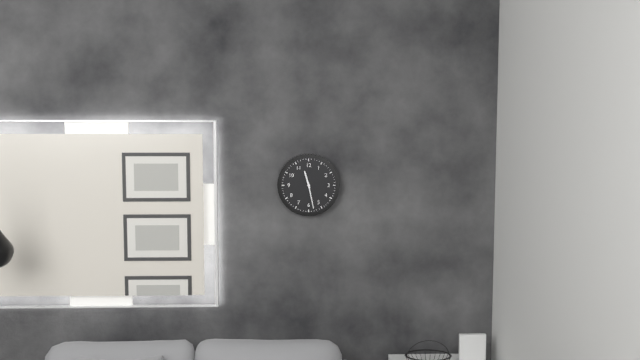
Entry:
h=11 m=28
